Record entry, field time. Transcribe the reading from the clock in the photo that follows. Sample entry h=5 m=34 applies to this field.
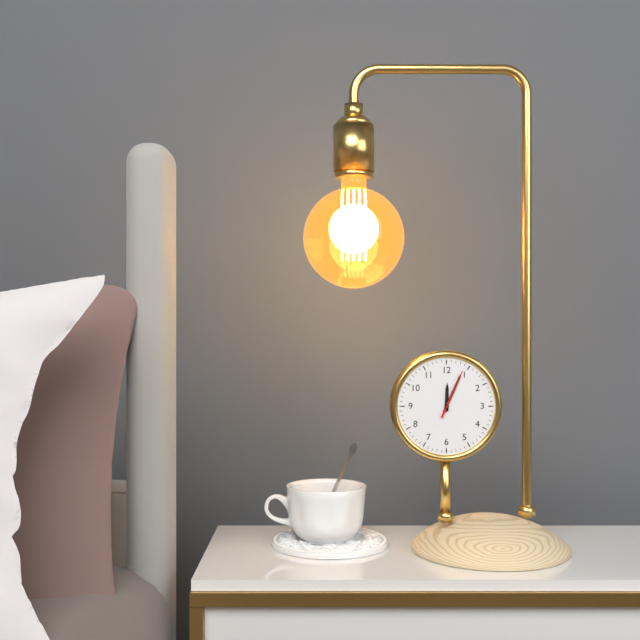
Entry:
h=12 m=4
